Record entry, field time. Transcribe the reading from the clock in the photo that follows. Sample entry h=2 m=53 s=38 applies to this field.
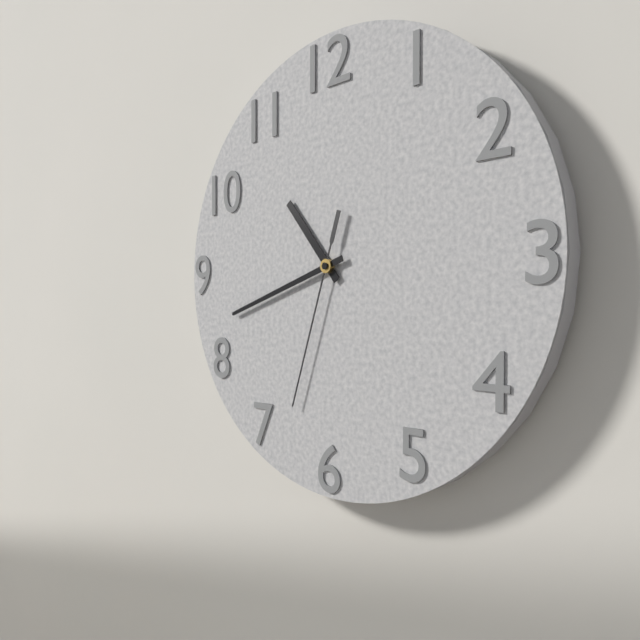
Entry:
h=10 m=42 s=33
